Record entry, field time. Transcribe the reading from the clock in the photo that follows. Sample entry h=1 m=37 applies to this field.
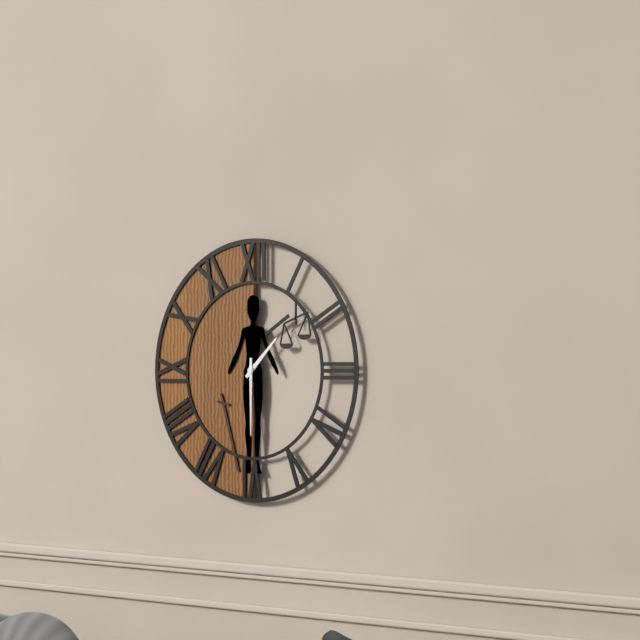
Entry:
h=1 m=30
